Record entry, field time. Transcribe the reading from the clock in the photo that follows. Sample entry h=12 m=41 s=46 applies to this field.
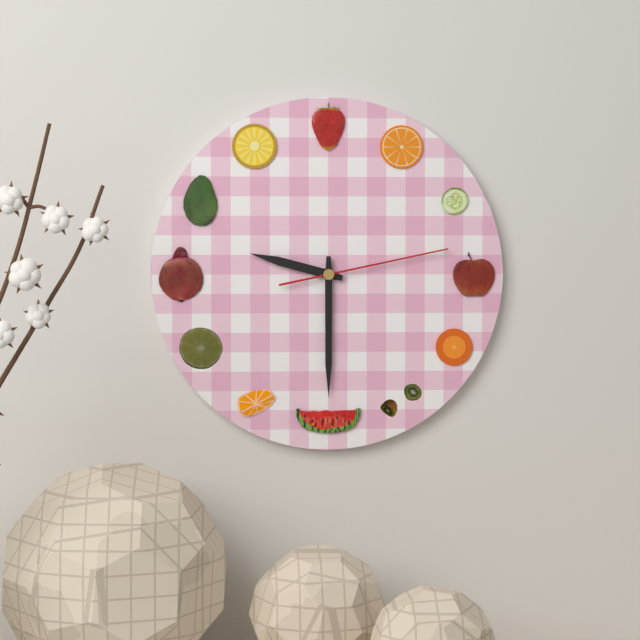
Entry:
h=9 m=30 s=13
